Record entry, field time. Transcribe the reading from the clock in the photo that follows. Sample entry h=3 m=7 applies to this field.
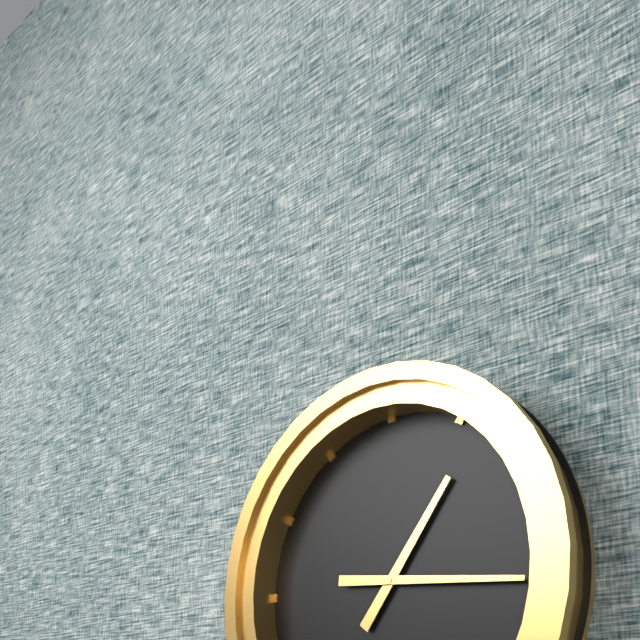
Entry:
h=1 m=16
